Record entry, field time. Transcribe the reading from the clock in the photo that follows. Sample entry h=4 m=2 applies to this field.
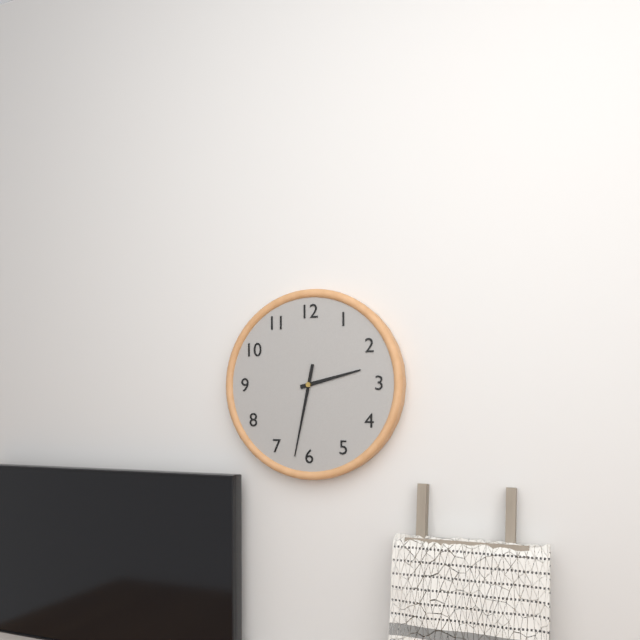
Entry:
h=2 m=32
